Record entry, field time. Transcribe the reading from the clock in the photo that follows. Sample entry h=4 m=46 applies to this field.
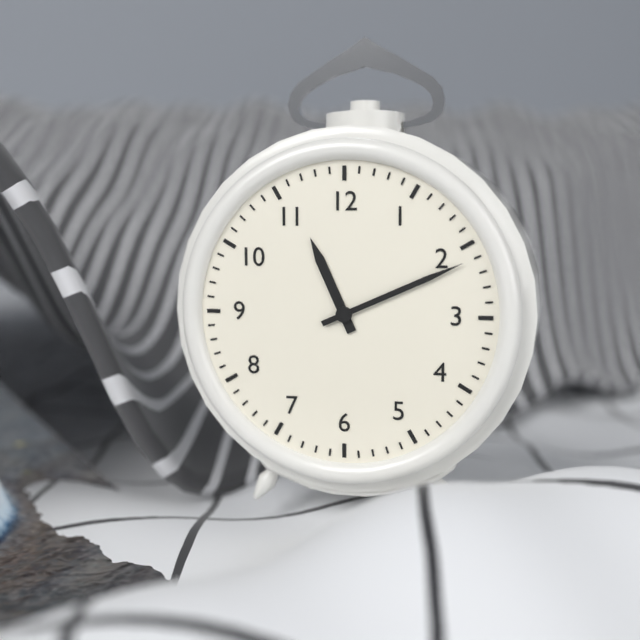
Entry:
h=11 m=11
